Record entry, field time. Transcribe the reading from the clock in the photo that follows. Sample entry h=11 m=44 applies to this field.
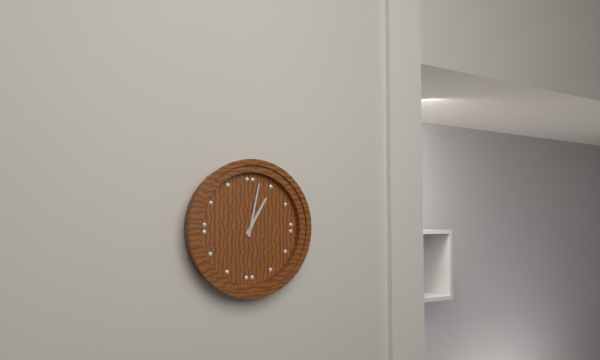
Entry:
h=1 m=2
